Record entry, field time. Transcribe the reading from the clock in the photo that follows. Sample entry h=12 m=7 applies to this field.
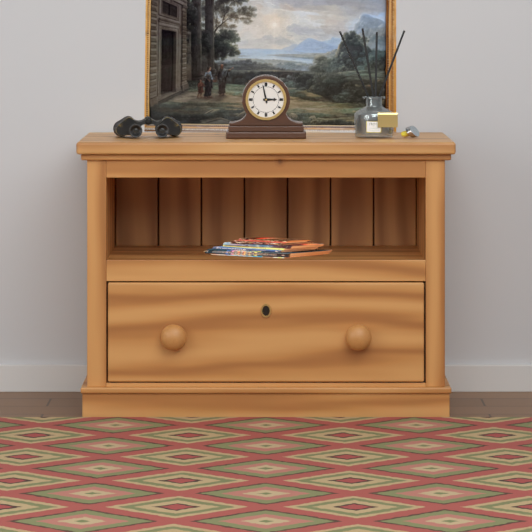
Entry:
h=2 m=58
